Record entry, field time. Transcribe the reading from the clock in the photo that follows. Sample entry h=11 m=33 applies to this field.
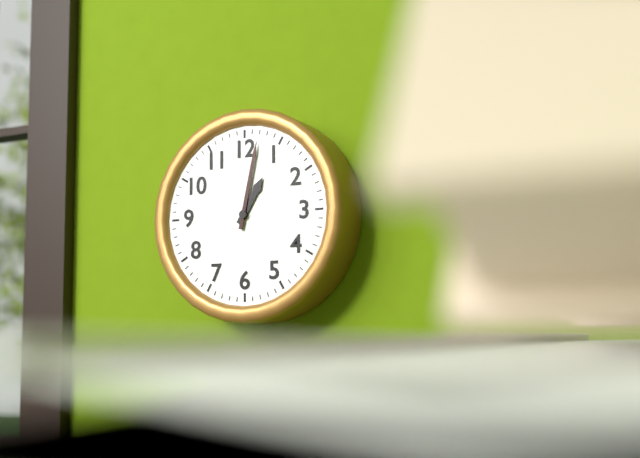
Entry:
h=1 m=2
